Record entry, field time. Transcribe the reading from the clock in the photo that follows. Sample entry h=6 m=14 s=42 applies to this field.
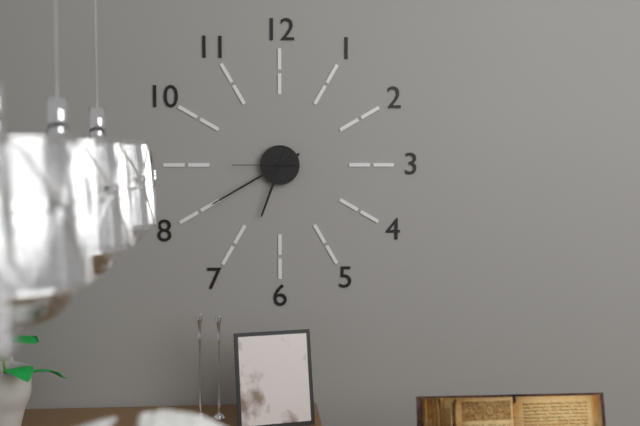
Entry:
h=6 m=40 s=45
